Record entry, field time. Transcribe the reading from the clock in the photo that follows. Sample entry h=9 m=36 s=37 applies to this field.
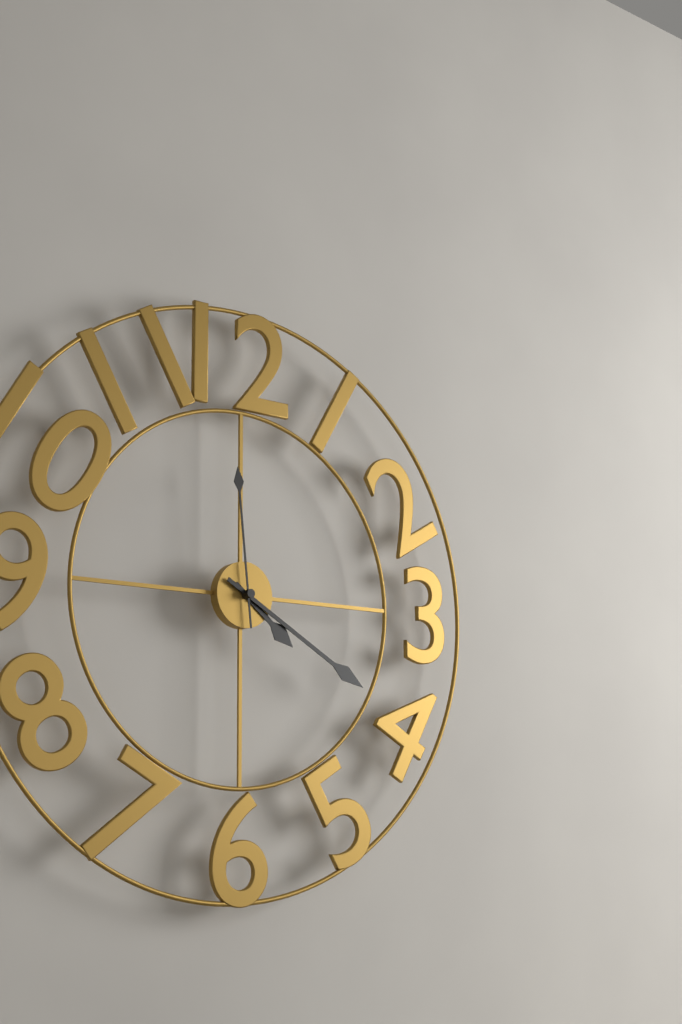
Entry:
h=4 m=20 s=59
